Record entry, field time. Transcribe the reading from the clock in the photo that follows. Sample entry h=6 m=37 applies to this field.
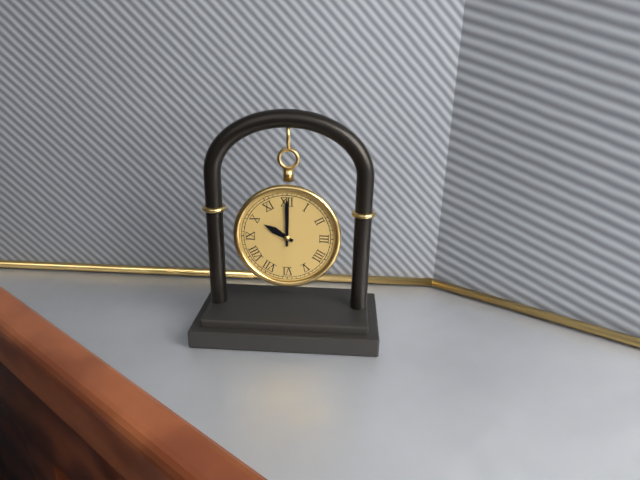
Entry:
h=10 m=0
